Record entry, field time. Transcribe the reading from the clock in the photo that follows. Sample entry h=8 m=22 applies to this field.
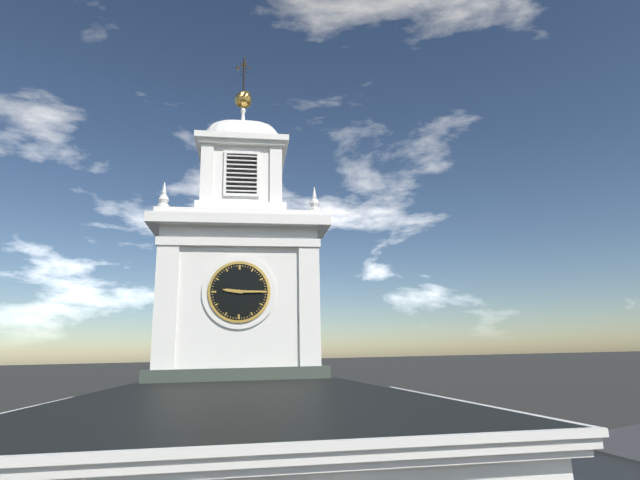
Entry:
h=9 m=15
